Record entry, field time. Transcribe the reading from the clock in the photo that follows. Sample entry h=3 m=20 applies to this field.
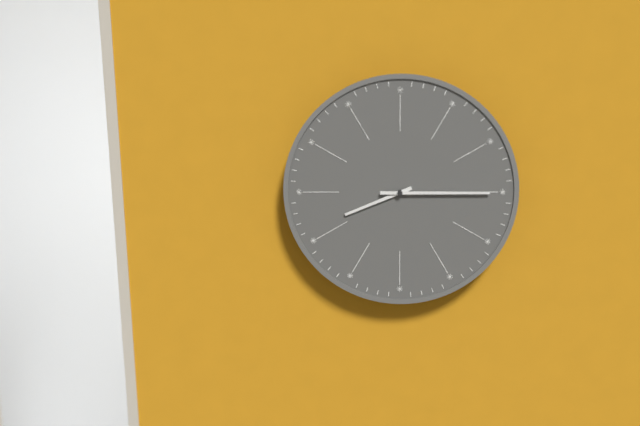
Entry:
h=8 m=15
